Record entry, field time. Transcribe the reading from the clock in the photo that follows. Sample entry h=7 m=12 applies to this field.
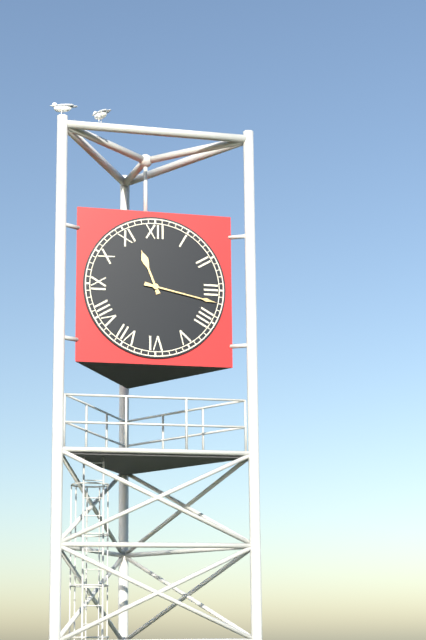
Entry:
h=11 m=17
